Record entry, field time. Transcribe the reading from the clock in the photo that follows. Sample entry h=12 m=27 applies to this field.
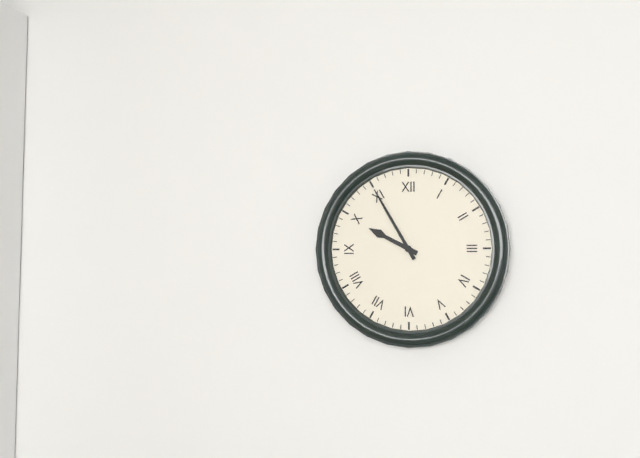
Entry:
h=9 m=55
